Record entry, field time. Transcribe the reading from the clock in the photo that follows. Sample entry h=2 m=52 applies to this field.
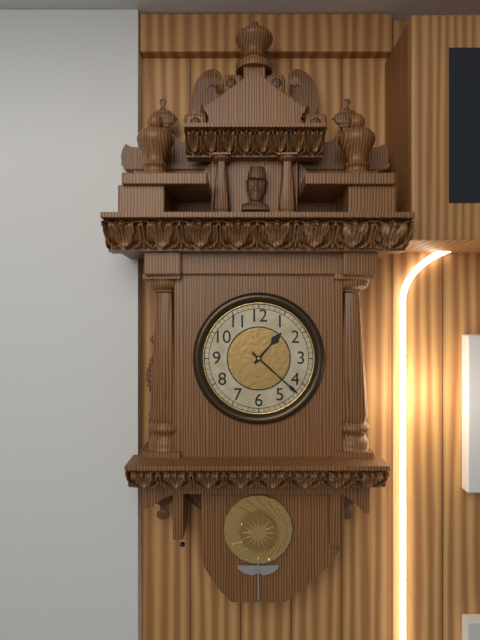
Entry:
h=1 m=22
